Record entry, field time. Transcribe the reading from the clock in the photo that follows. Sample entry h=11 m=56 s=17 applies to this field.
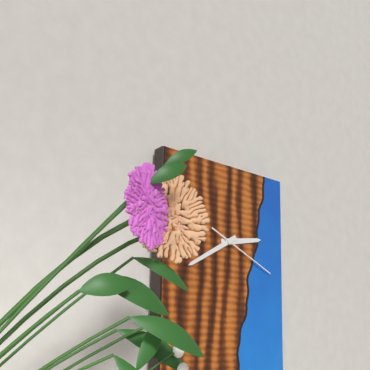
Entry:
h=2 m=40 s=19
